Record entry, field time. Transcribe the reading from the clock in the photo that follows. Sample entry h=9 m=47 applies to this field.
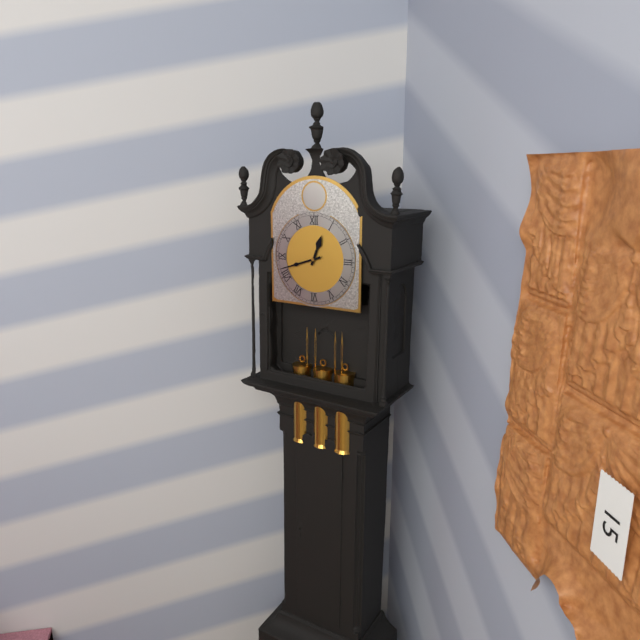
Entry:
h=12 m=42
